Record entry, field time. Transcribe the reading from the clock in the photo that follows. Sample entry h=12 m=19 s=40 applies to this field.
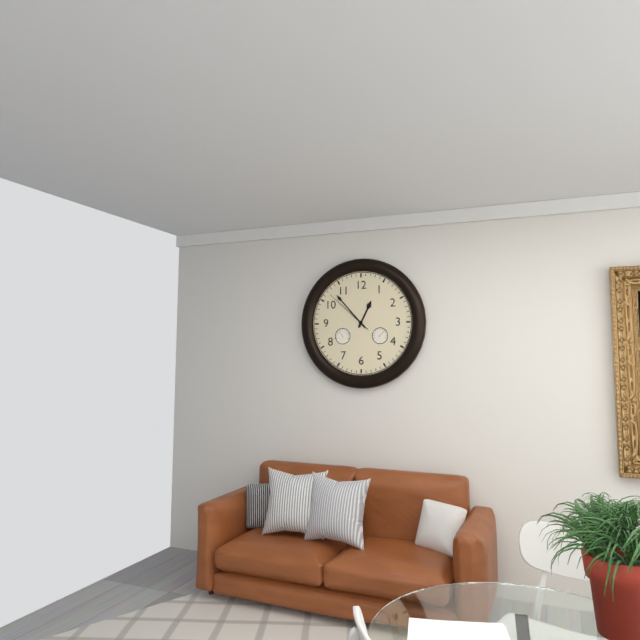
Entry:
h=12 m=53 s=52
